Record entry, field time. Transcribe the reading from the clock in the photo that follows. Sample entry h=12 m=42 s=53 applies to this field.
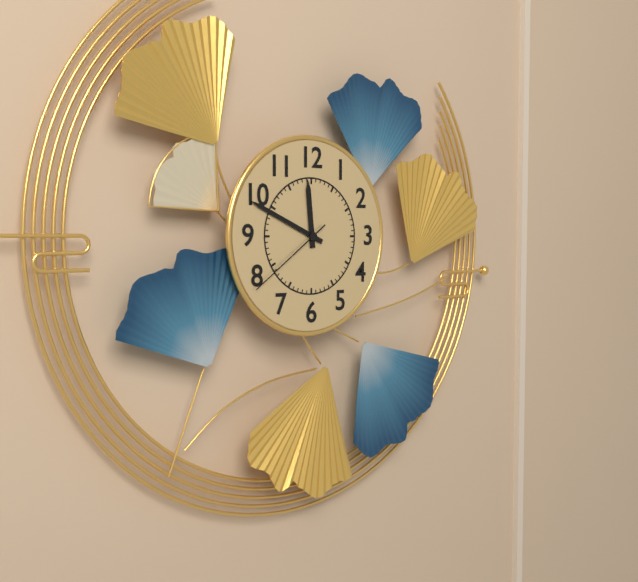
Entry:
h=11 m=49 s=39
